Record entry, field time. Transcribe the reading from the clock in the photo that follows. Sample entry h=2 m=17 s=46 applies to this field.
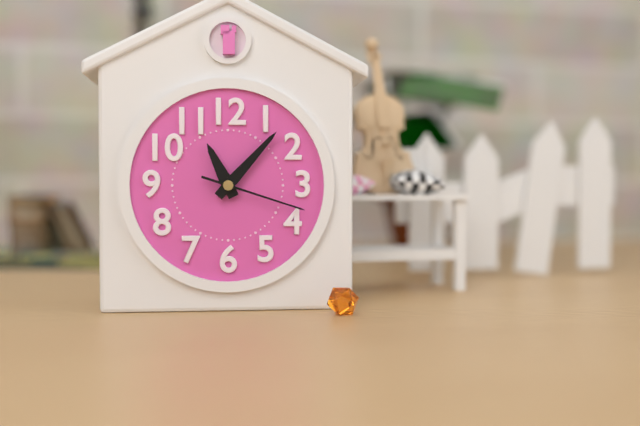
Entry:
h=11 m=7 s=18
